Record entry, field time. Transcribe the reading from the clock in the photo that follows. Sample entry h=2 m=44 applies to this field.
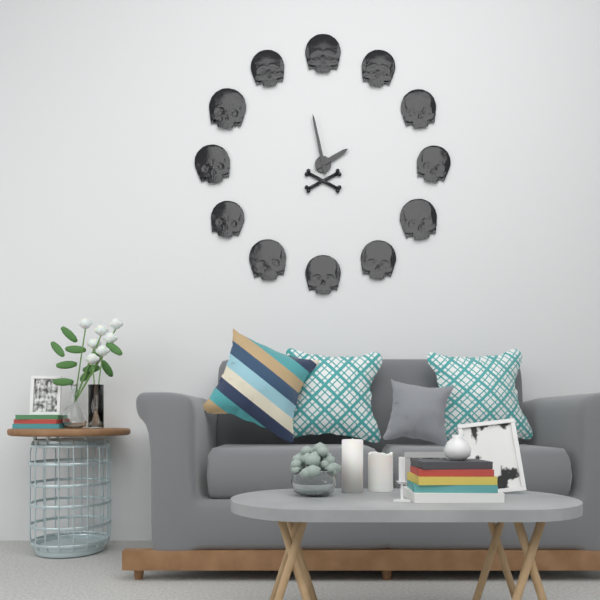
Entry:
h=1 m=58
